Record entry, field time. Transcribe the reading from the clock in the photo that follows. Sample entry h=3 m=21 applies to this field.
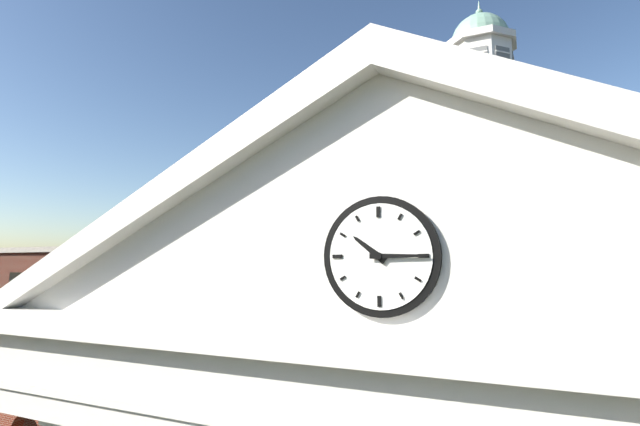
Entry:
h=10 m=15
